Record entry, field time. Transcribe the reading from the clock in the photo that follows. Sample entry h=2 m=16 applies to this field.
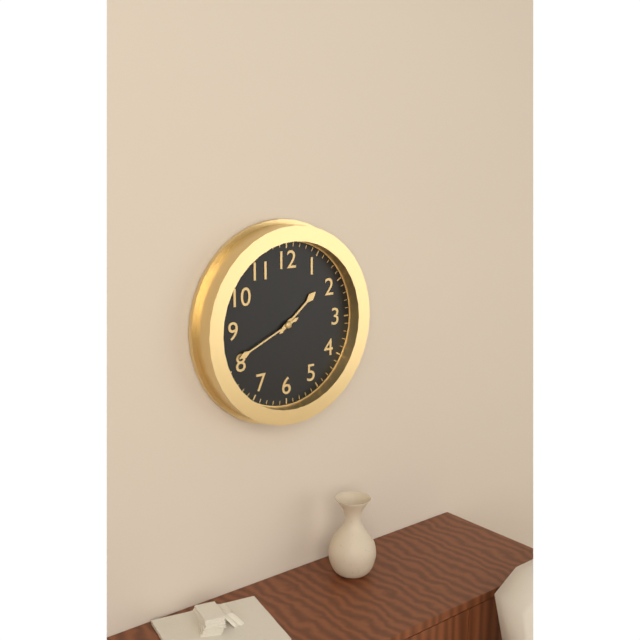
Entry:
h=1 m=41
